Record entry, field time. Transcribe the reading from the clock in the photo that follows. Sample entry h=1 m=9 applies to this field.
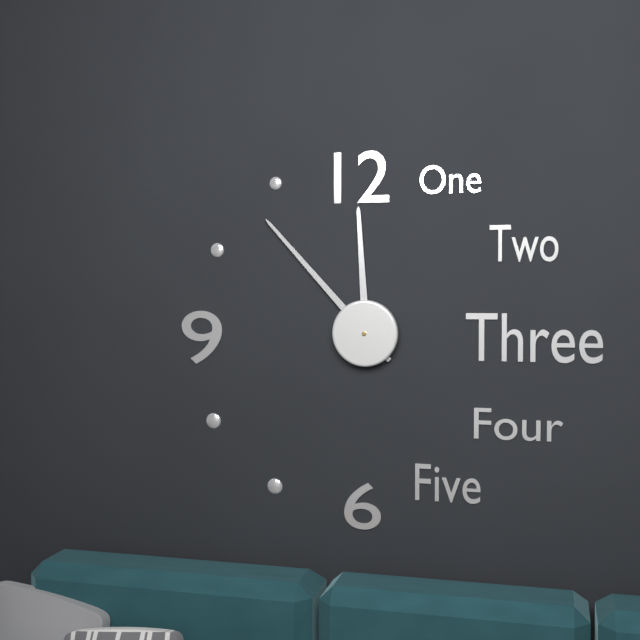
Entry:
h=11 m=53
